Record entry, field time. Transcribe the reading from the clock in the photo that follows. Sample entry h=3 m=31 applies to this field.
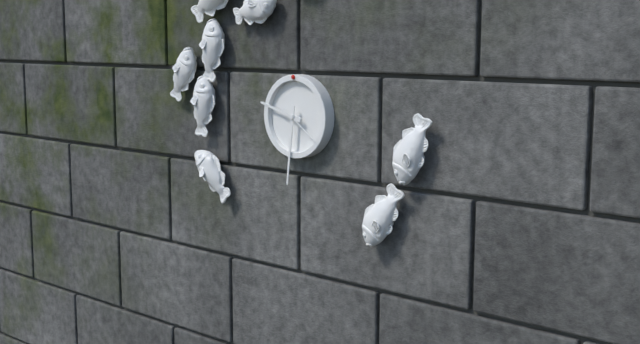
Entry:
h=9 m=31
